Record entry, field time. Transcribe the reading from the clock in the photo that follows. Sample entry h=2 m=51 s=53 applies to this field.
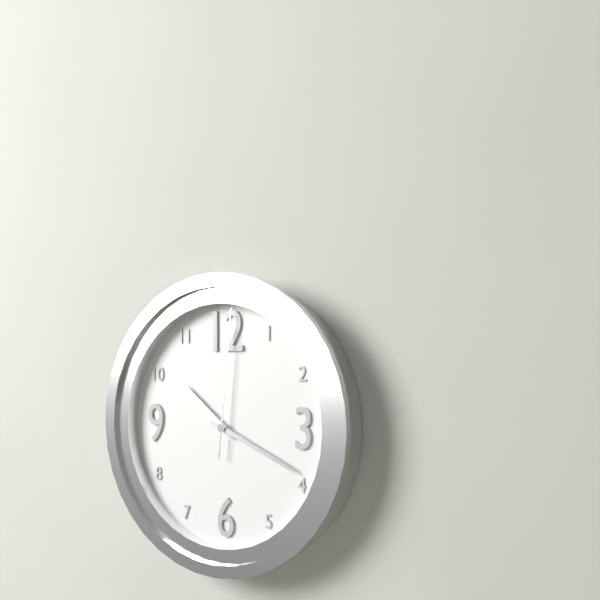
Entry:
h=10 m=19 s=1
